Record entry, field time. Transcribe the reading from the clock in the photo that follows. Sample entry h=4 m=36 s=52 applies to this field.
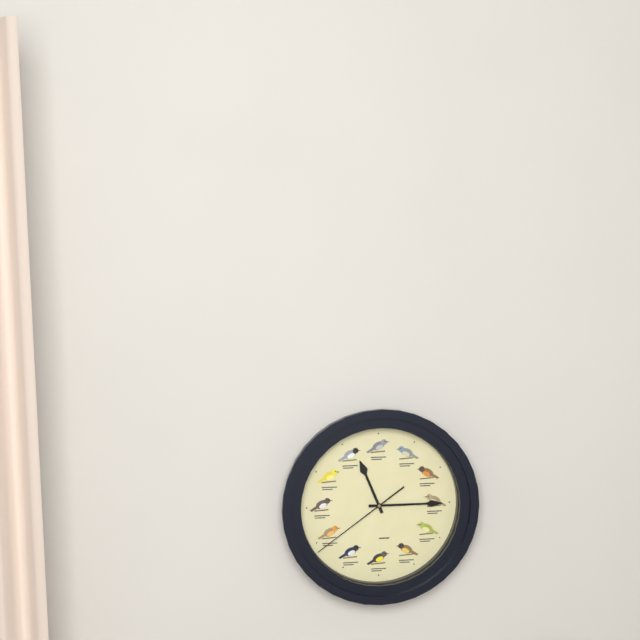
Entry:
h=11 m=15 s=39
